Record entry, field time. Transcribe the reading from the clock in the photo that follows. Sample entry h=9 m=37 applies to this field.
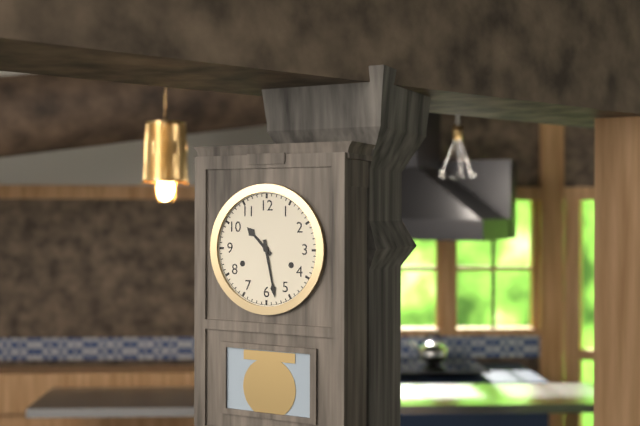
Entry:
h=10 m=28
